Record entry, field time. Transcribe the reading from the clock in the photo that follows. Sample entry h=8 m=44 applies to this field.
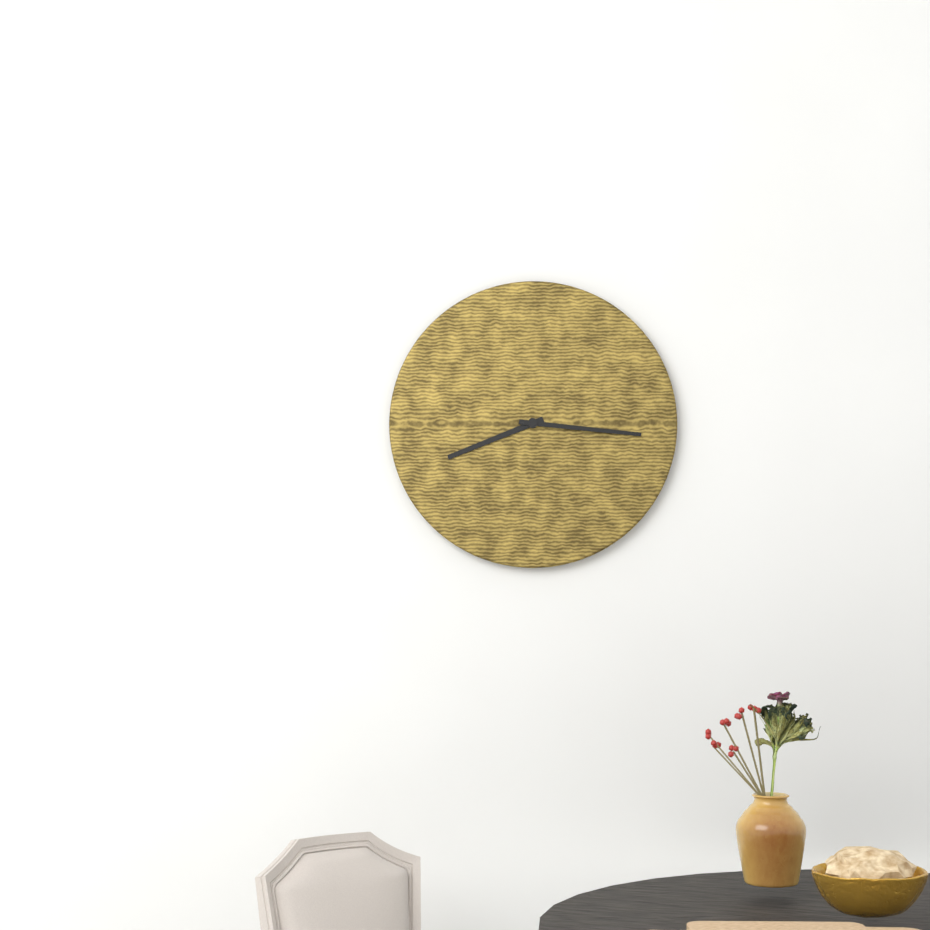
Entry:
h=8 m=16
